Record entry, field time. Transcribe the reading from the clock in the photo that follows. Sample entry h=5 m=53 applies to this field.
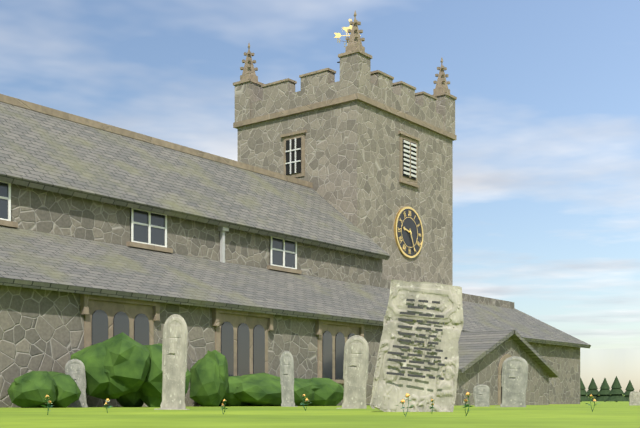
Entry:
h=9 m=26
